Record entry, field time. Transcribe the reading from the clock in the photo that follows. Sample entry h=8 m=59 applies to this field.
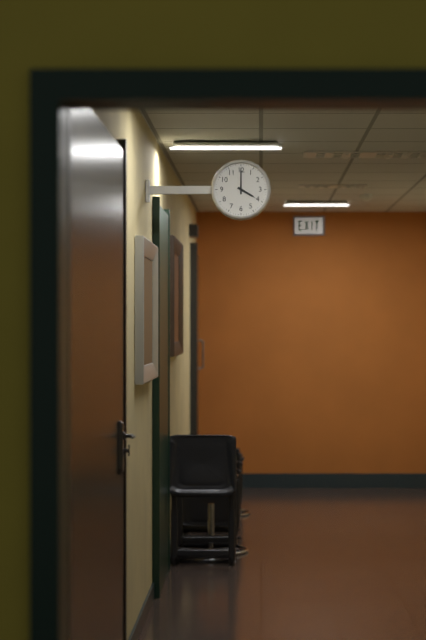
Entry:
h=4 m=0
